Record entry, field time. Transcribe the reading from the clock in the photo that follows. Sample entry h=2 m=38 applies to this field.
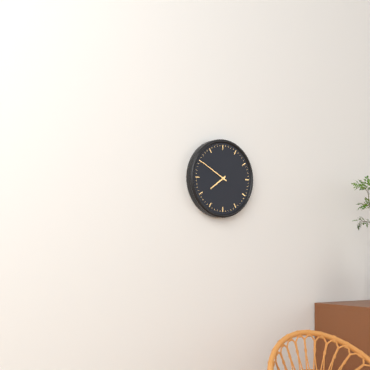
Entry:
h=7 m=50
